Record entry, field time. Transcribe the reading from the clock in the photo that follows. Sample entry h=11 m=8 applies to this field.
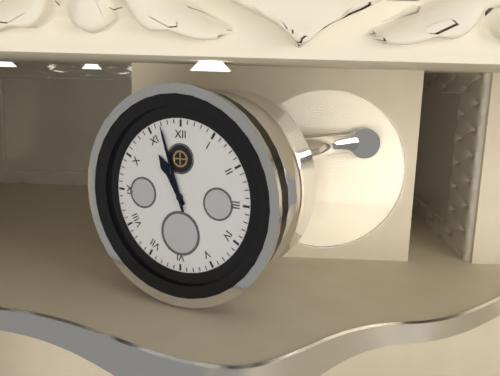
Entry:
h=10 m=57
